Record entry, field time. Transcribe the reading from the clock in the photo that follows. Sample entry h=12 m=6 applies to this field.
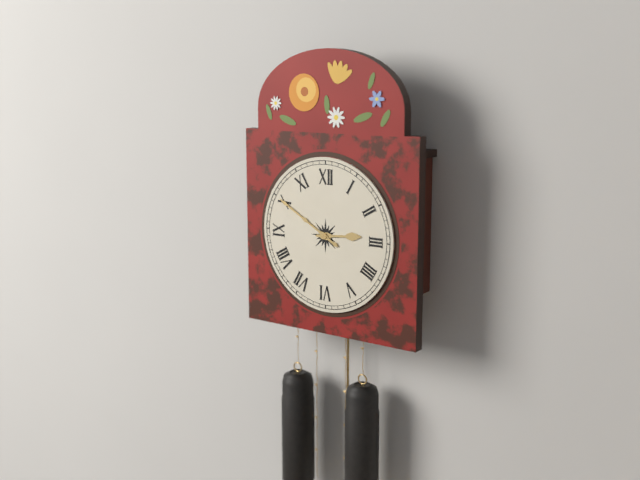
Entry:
h=2 m=50
